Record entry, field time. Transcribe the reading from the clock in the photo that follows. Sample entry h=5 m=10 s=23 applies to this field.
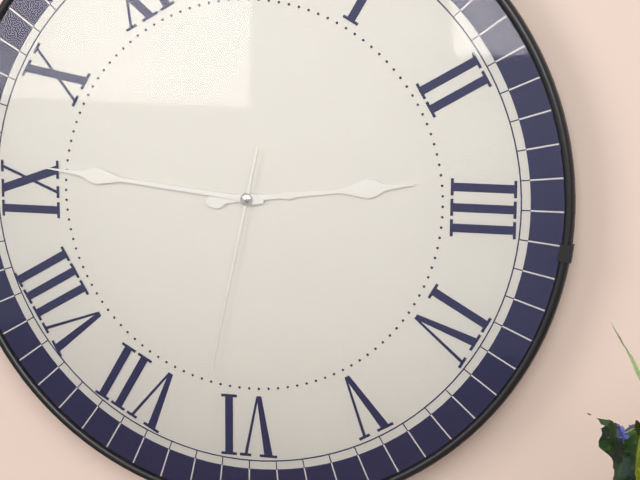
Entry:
h=2 m=46 s=32
